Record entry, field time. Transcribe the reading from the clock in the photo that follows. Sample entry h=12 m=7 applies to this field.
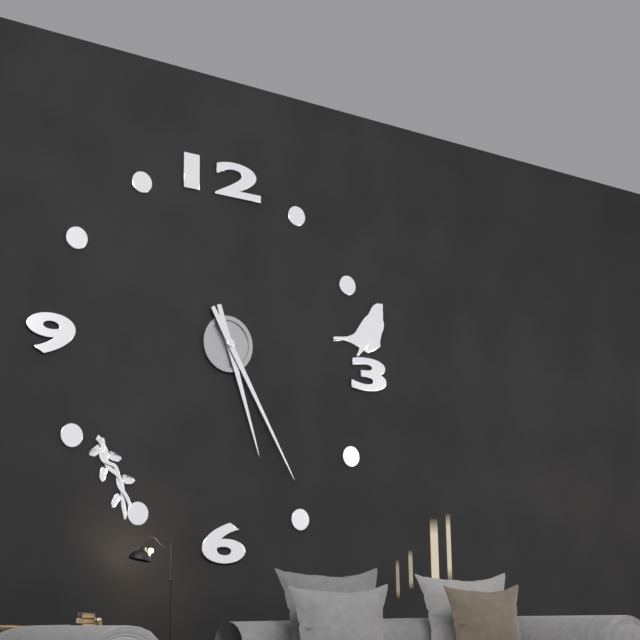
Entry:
h=5 m=25
